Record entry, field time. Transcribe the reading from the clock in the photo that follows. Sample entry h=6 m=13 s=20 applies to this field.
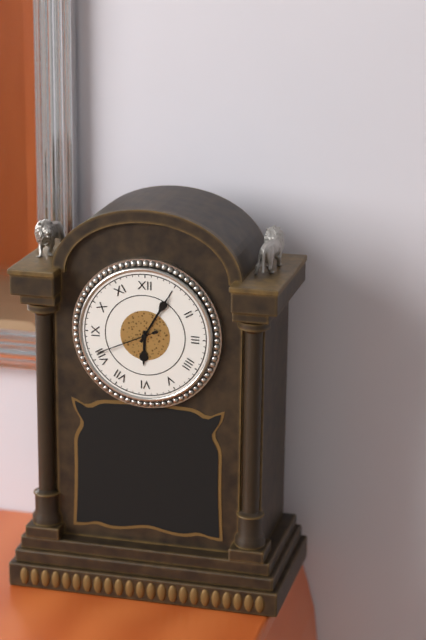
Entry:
h=6 m=5 s=41
